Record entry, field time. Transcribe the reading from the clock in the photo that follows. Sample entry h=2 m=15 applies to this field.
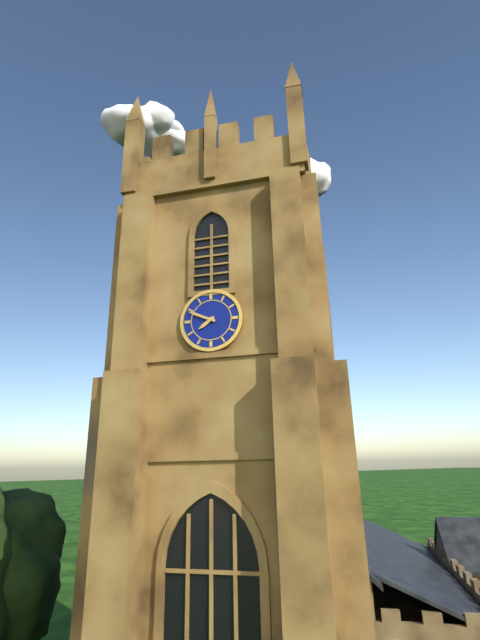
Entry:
h=7 m=49
